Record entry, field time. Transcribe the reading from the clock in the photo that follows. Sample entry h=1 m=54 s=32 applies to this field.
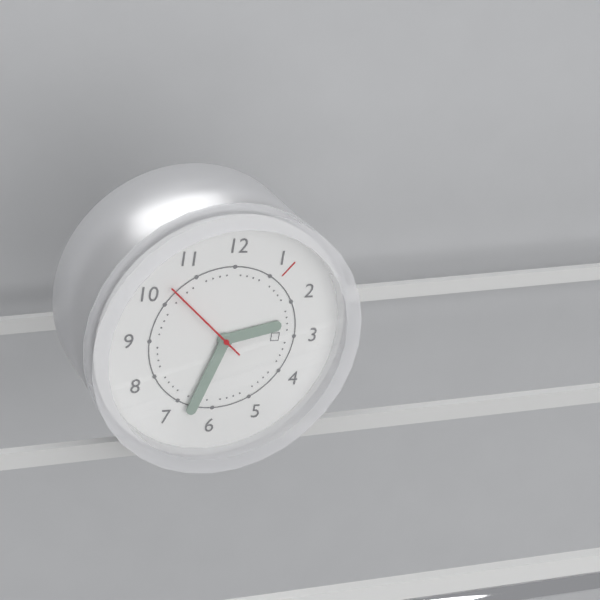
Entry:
h=2 m=33 s=52
